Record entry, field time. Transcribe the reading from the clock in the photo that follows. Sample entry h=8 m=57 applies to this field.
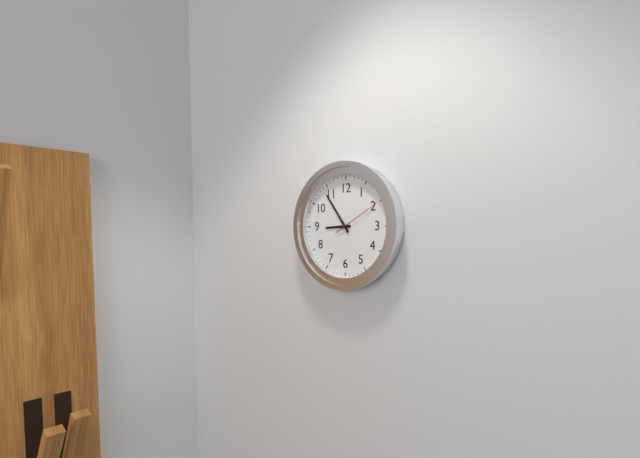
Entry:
h=8 m=54
